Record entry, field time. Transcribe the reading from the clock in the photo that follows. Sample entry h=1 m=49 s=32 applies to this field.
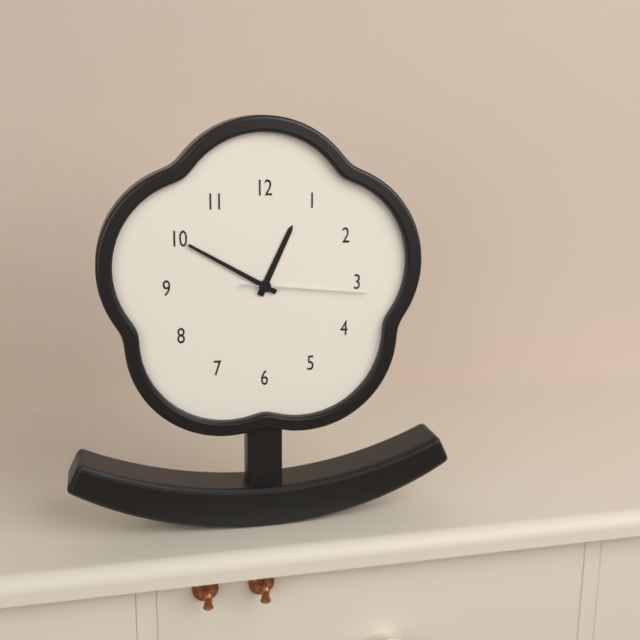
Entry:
h=12 m=50 s=16
